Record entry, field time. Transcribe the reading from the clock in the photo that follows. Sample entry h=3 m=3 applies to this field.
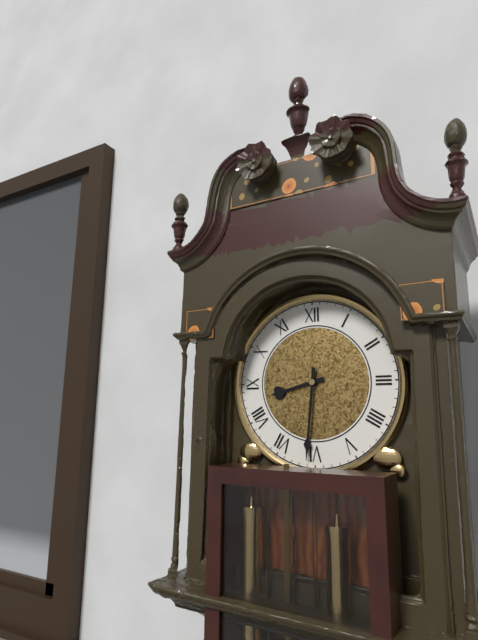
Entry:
h=8 m=31
